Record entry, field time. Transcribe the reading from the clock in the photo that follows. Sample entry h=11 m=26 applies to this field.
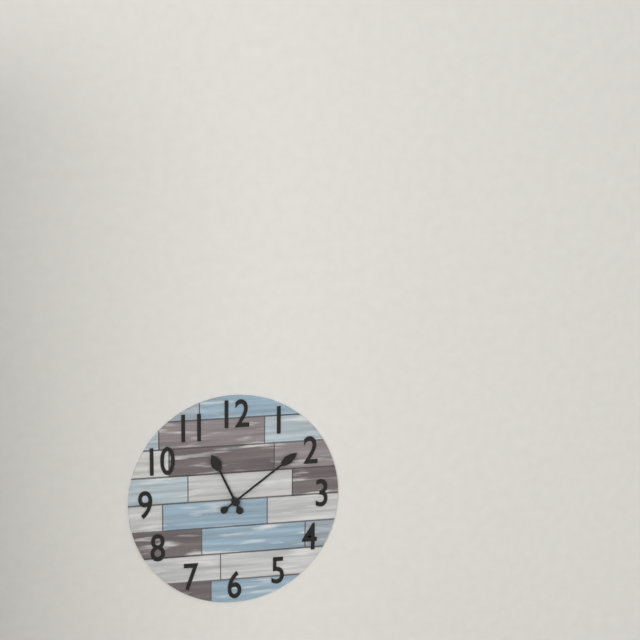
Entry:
h=11 m=9
